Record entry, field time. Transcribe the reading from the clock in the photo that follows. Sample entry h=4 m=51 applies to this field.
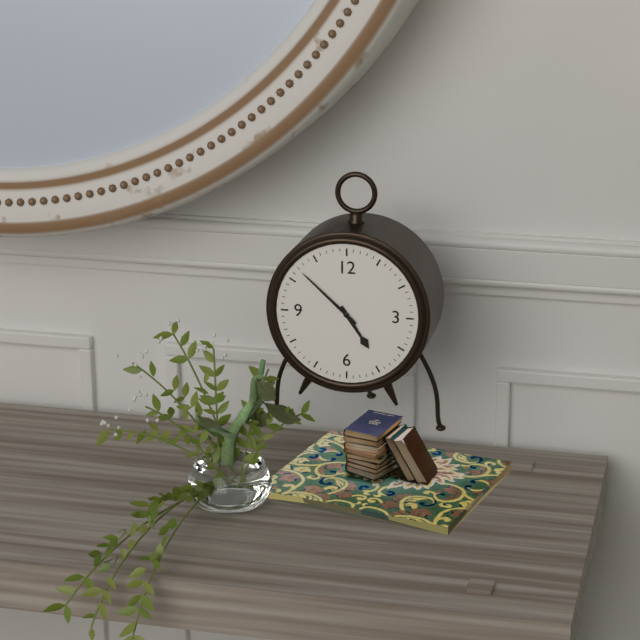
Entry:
h=4 m=52
